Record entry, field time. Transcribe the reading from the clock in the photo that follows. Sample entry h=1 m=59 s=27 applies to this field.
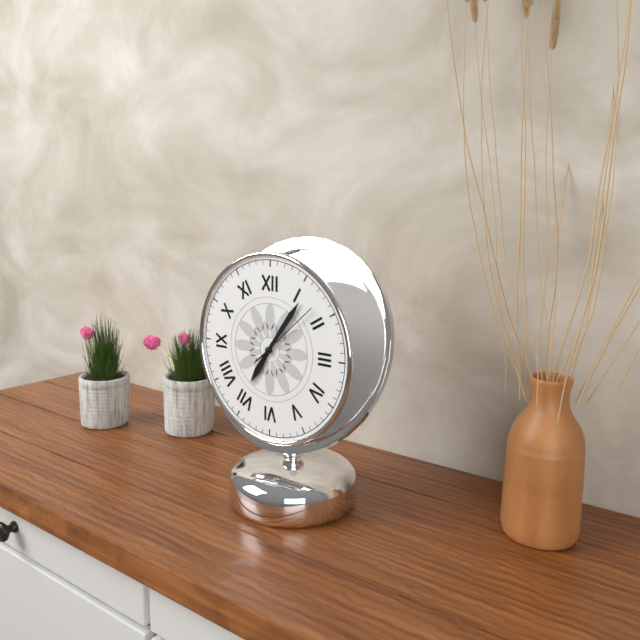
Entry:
h=7 m=6 s=8
